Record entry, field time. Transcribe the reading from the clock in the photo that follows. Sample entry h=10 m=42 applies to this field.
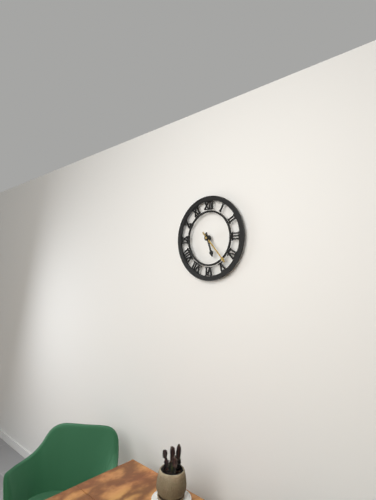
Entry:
h=5 m=23
